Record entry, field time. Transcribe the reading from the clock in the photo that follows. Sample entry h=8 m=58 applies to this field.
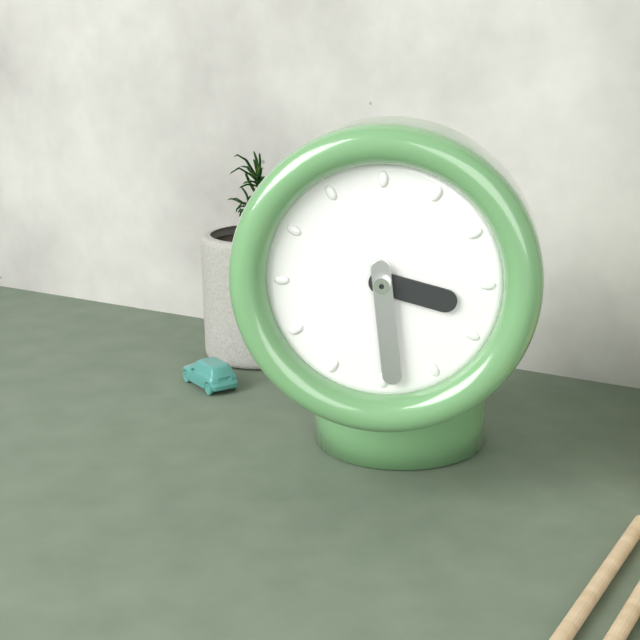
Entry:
h=3 m=29
